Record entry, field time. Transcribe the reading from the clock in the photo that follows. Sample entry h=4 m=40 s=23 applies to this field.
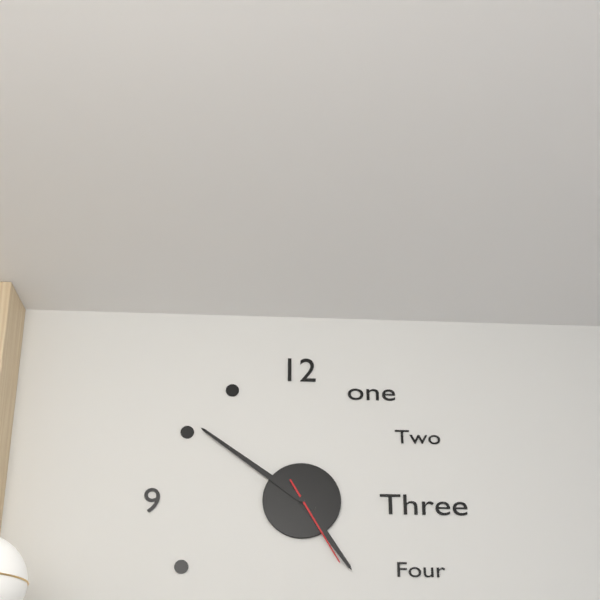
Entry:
h=4 m=51 s=25
